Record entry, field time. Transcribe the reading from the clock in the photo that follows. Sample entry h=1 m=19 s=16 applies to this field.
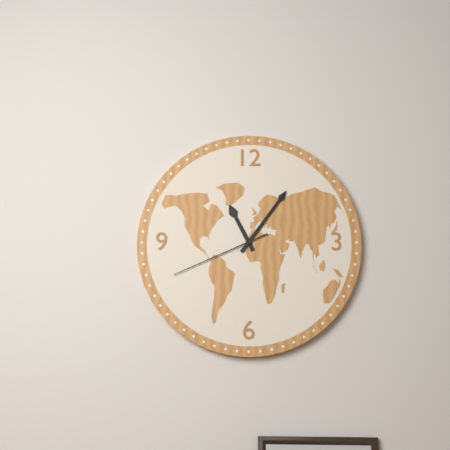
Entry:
h=11 m=6 s=41
